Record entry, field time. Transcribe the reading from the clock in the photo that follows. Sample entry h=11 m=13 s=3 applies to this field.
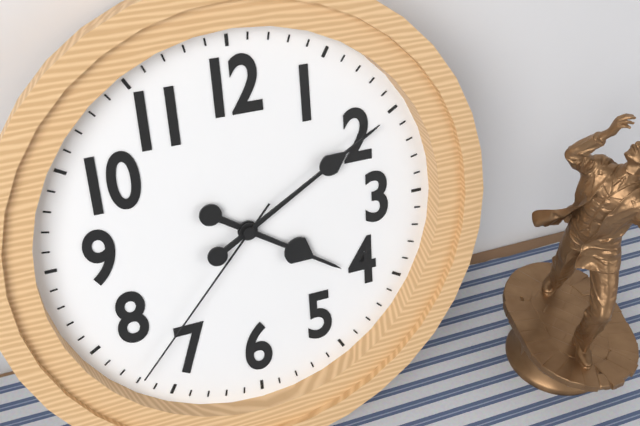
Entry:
h=4 m=10 s=37
